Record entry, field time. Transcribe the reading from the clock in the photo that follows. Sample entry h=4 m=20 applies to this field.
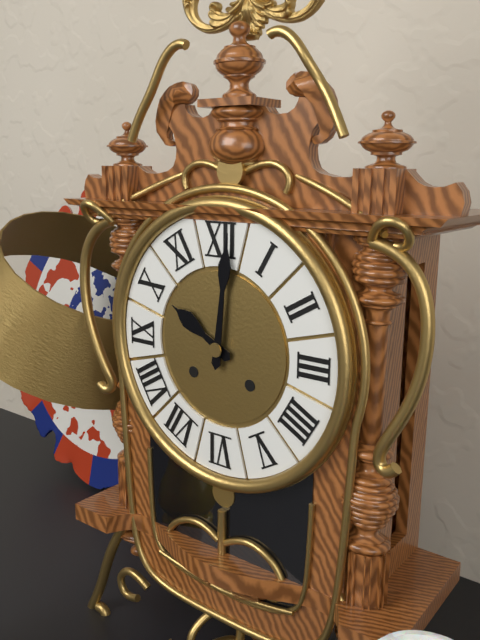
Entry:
h=10 m=1
